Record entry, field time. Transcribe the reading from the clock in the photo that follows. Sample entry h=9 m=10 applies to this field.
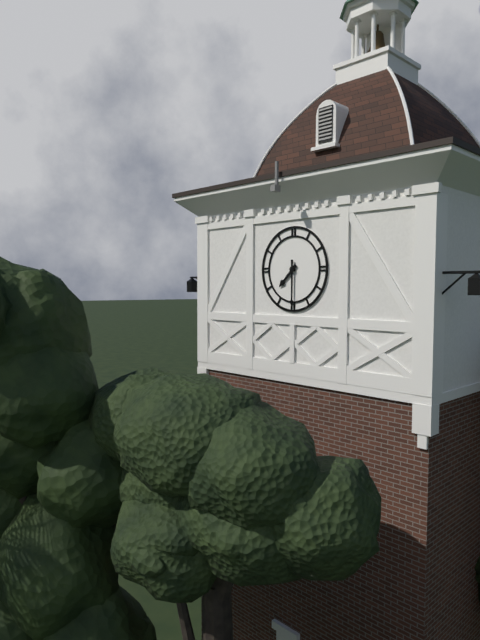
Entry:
h=7 m=30
